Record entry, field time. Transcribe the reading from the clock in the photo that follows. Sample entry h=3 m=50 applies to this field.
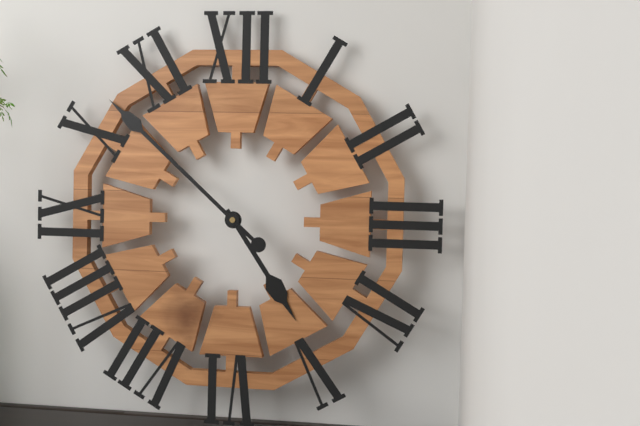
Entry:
h=4 m=52
